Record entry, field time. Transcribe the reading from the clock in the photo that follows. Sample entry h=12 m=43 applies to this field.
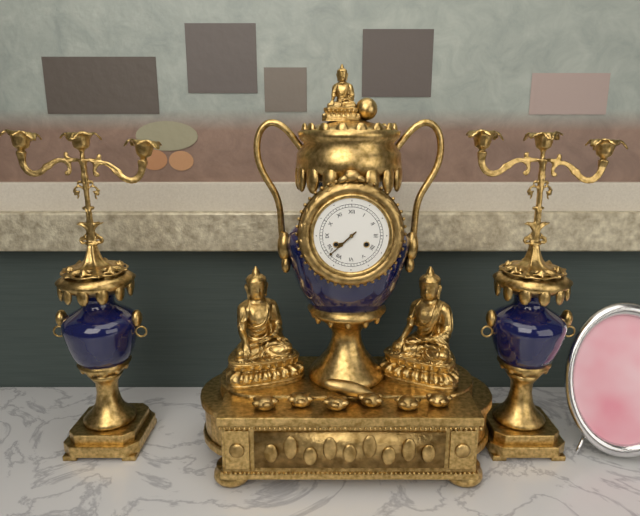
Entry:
h=7 m=38
